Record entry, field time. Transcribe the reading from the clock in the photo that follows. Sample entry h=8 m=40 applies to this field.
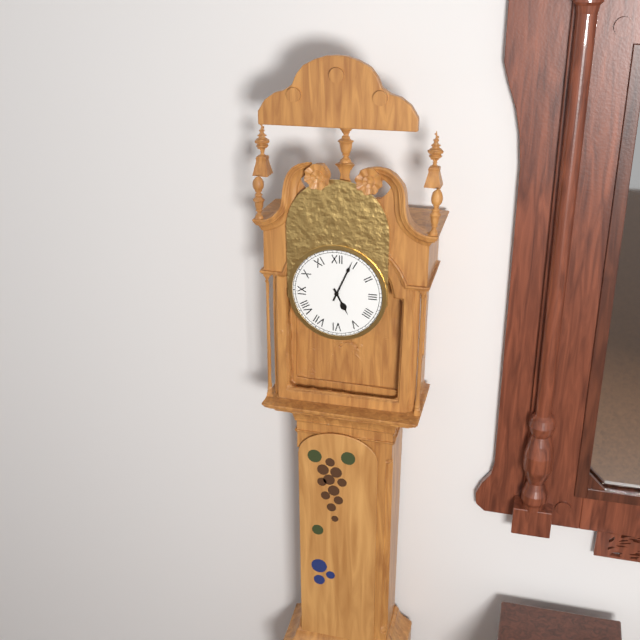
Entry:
h=5 m=4
